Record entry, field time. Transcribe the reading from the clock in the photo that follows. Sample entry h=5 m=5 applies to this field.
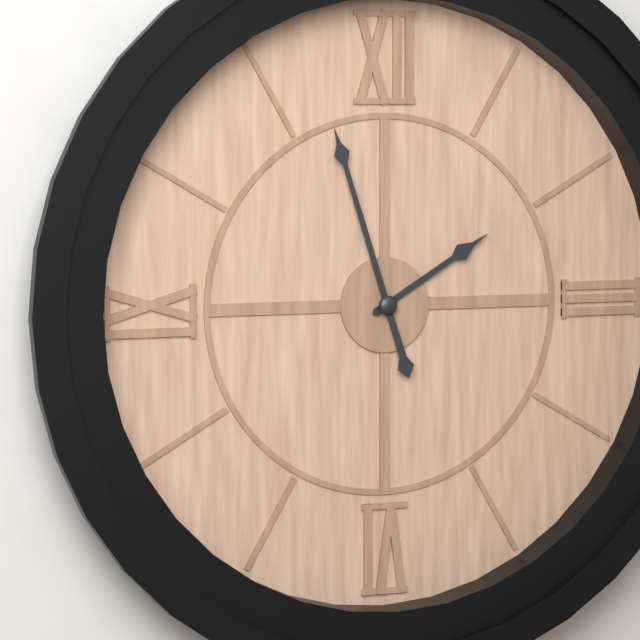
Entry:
h=1 m=57
